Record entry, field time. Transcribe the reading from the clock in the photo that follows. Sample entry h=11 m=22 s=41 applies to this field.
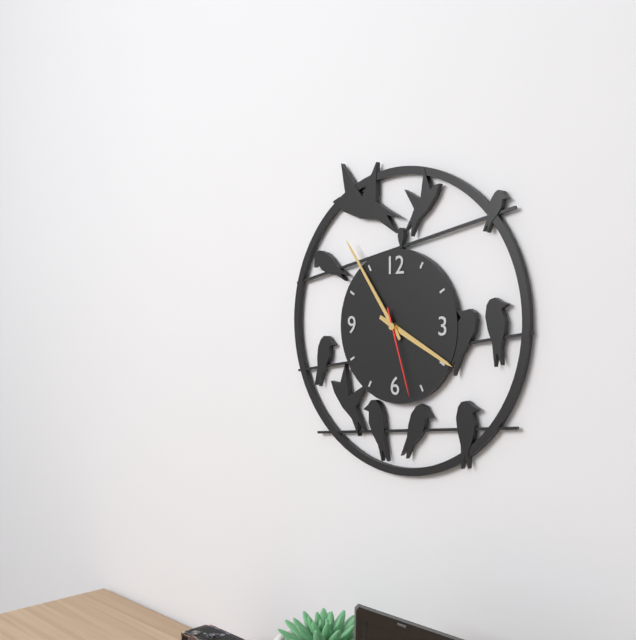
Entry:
h=3 m=54 s=27
